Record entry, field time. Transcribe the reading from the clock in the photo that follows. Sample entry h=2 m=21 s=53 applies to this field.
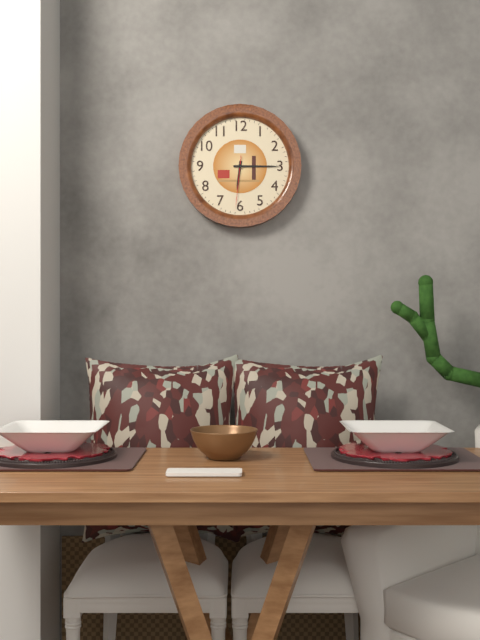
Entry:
h=6 m=15 s=31
